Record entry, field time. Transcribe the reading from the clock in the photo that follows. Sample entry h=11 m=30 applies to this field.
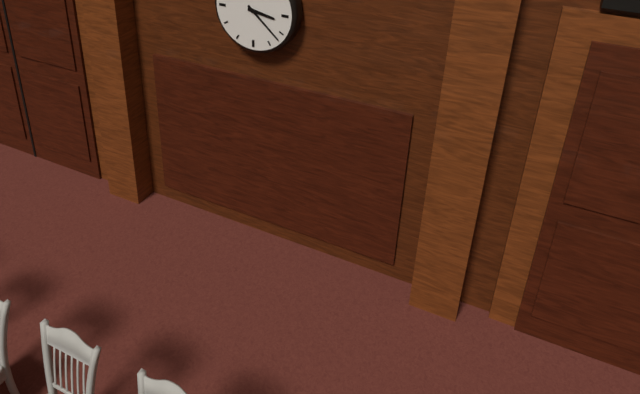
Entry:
h=3 m=22
